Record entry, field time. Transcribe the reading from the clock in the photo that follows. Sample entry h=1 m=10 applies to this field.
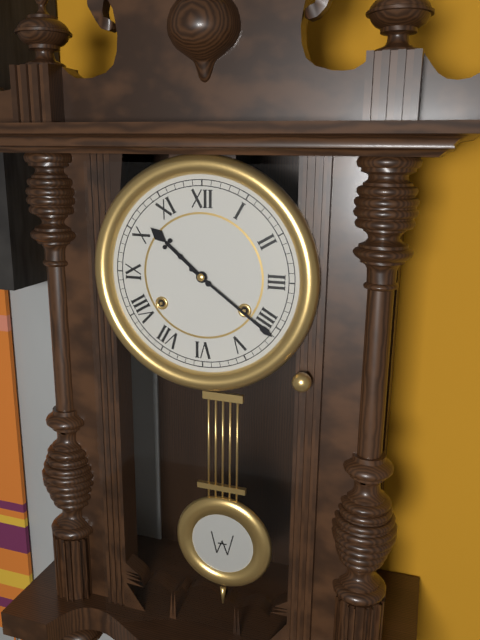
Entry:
h=10 m=21
